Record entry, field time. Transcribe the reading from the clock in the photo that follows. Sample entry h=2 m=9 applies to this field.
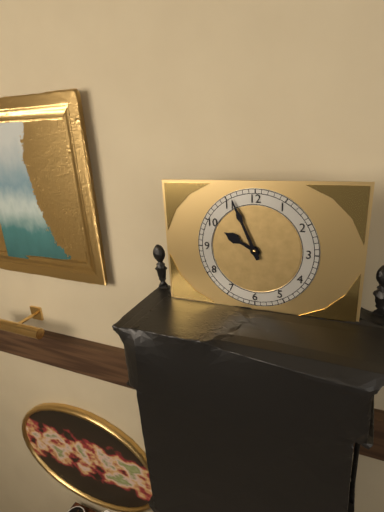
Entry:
h=9 m=56
